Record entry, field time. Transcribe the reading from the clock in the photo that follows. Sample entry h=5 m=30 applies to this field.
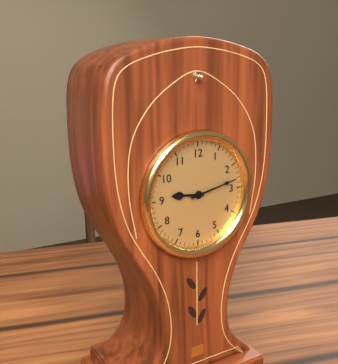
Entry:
h=9 m=13
